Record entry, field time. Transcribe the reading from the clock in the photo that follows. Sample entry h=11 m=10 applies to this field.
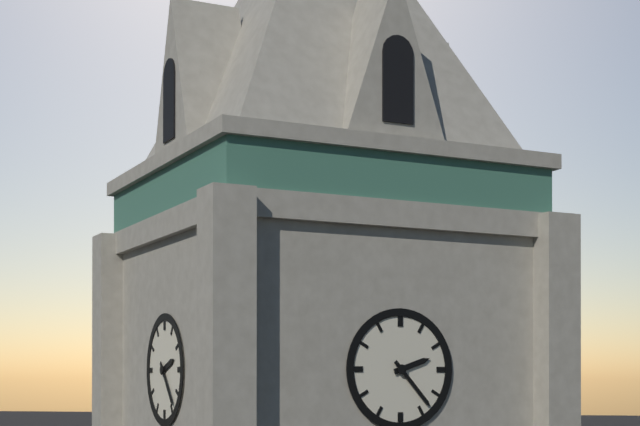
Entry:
h=2 m=23
